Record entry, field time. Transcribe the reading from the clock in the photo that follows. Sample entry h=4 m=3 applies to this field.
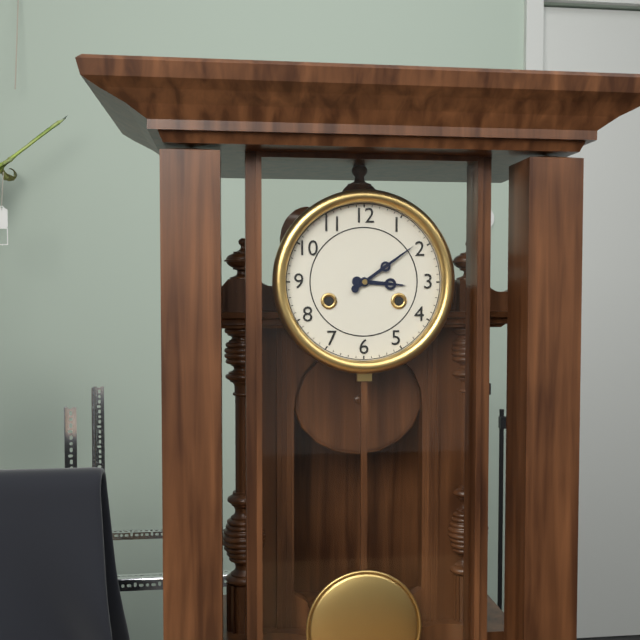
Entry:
h=3 m=9
